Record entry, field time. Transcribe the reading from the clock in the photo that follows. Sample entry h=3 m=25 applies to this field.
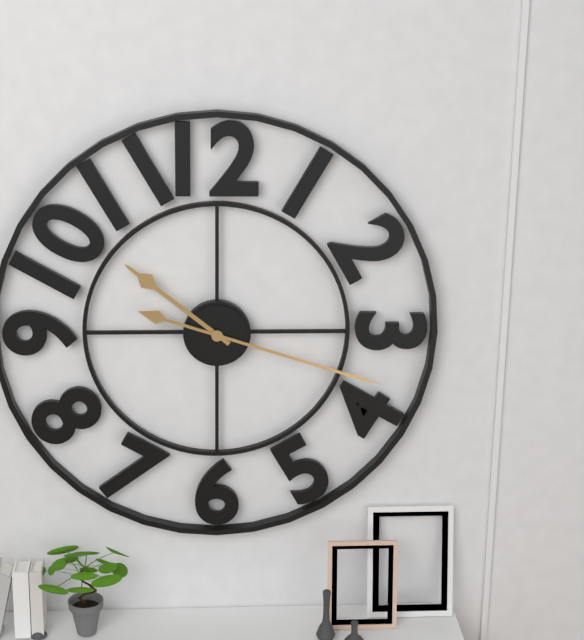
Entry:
h=10 m=18
